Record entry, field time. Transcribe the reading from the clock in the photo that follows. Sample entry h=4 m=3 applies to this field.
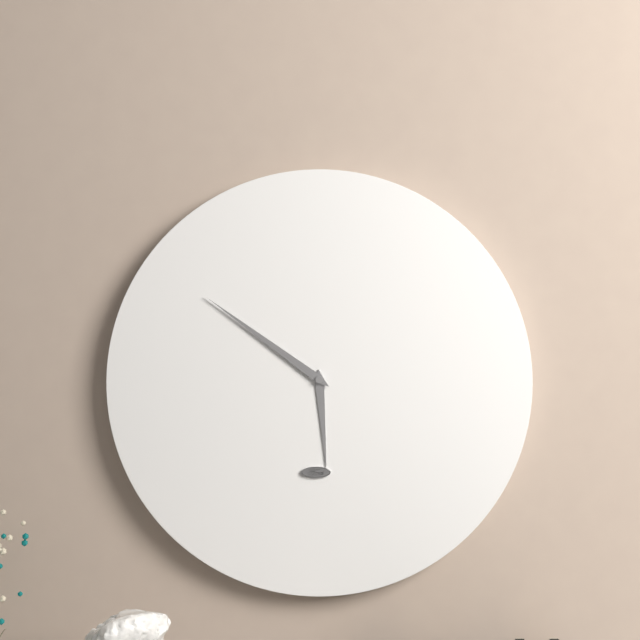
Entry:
h=5 m=51
